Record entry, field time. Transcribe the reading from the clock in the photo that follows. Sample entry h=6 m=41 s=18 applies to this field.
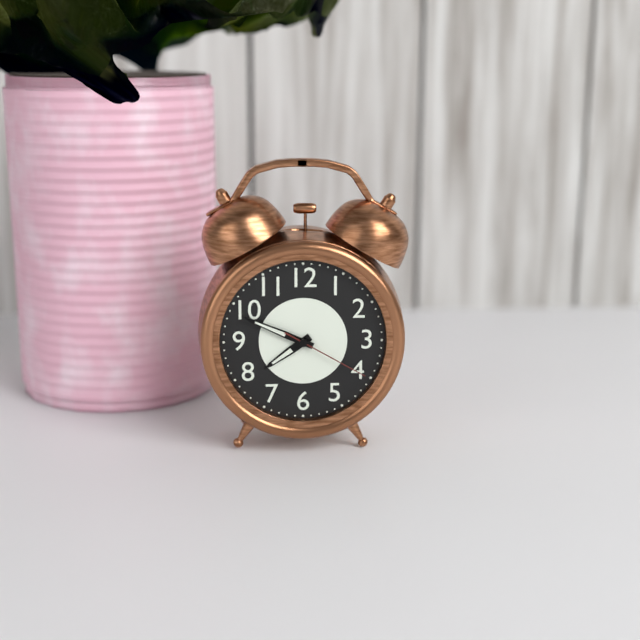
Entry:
h=7 m=49 s=20
